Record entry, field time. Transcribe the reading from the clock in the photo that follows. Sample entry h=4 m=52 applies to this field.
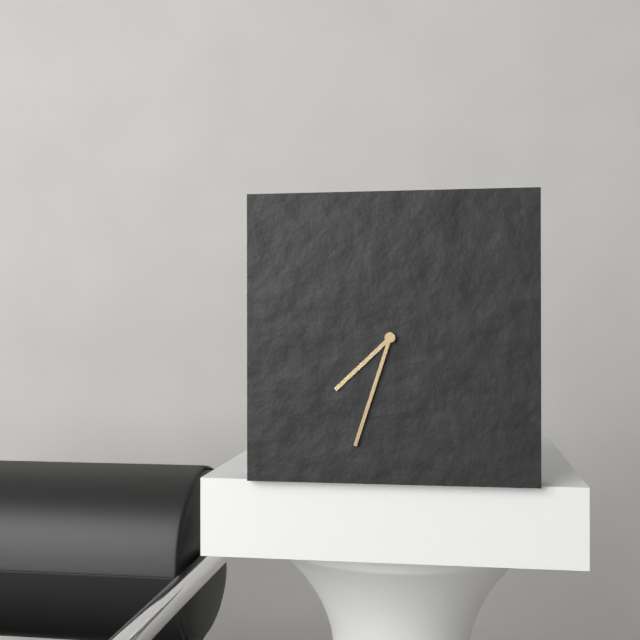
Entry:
h=7 m=33
